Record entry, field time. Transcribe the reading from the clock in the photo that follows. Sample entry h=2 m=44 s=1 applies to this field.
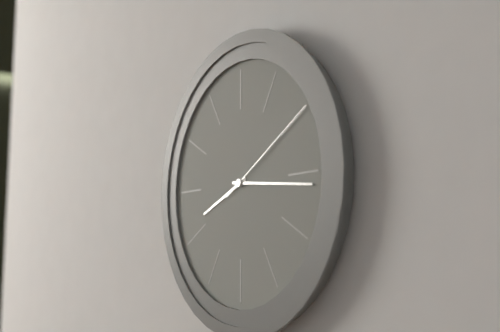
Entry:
h=8 m=16 s=10
